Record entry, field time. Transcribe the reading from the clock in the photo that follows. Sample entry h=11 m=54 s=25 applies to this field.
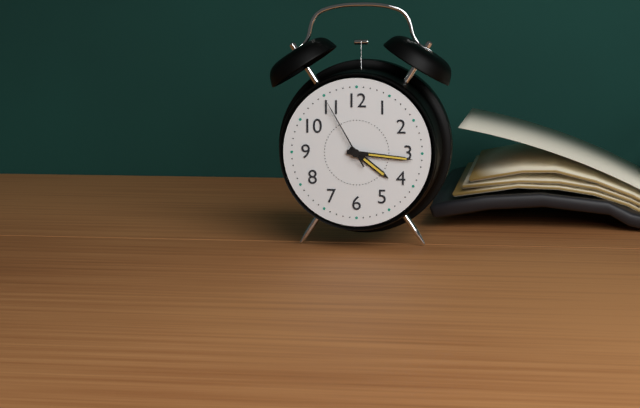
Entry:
h=4 m=16 s=55
